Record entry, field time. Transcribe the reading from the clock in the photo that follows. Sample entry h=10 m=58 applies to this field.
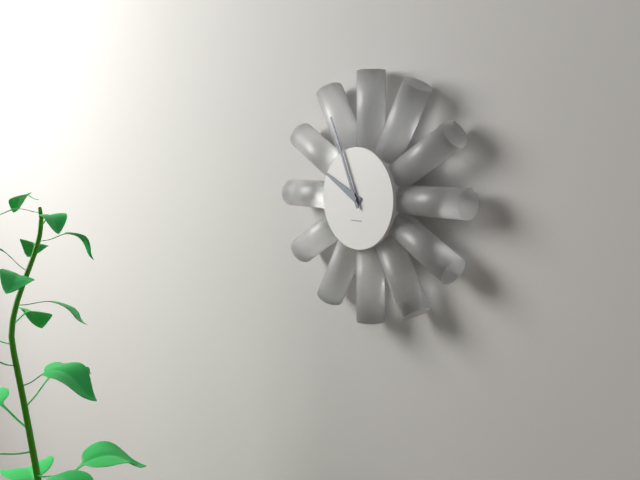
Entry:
h=9 m=56
